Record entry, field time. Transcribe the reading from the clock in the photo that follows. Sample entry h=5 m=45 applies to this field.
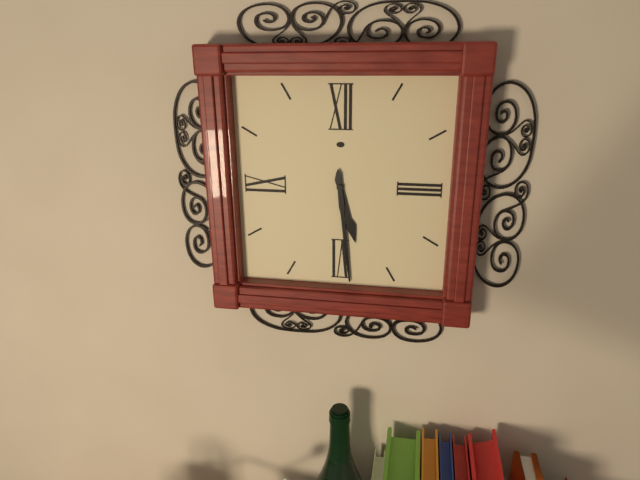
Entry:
h=5 m=29
